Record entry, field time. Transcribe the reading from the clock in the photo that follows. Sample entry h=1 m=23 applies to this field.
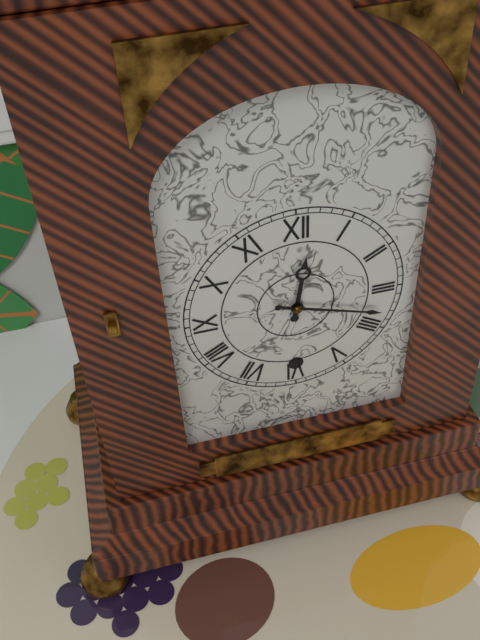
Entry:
h=12 m=18
